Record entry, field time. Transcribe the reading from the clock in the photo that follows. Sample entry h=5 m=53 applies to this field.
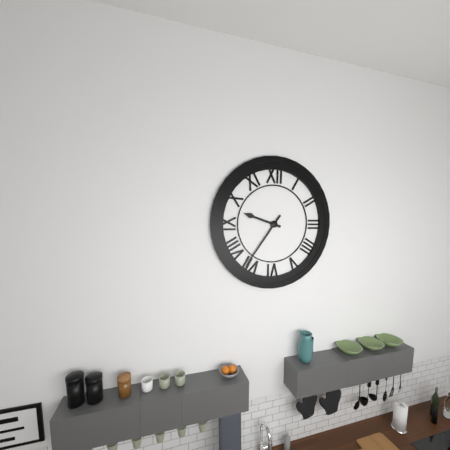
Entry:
h=9 m=36
